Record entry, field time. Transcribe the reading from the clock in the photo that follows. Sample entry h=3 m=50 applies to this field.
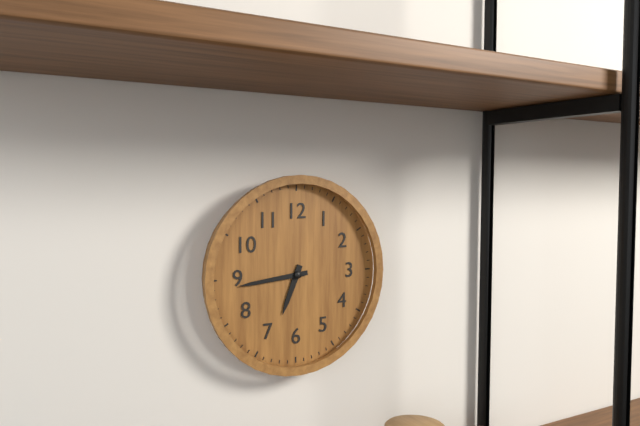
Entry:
h=6 m=44
